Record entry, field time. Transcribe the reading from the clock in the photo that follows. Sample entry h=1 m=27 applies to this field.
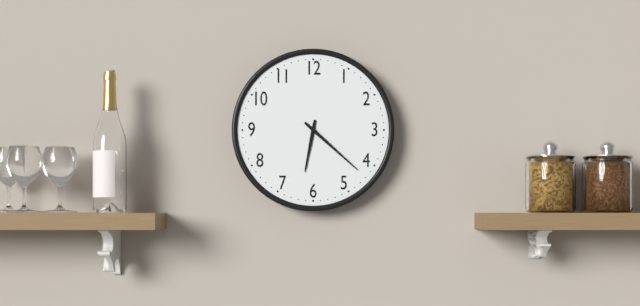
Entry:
h=6 m=22
